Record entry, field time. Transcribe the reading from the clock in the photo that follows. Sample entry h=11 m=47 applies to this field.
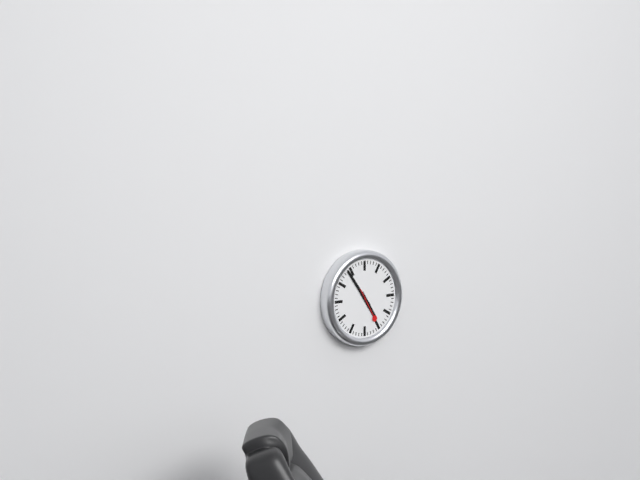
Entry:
h=4 m=54
